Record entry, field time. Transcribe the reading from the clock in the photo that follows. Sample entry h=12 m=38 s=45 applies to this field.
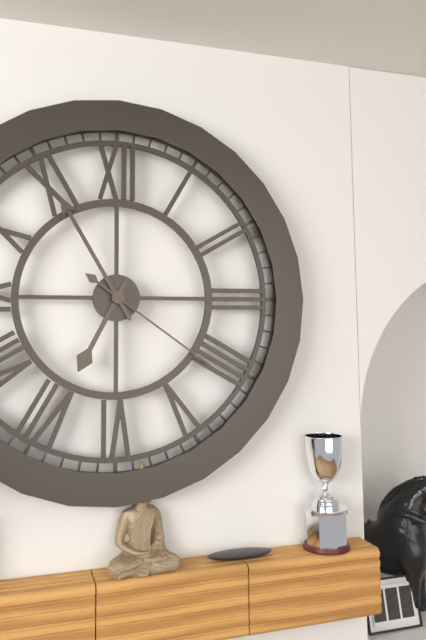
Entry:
h=6 m=55 s=21
